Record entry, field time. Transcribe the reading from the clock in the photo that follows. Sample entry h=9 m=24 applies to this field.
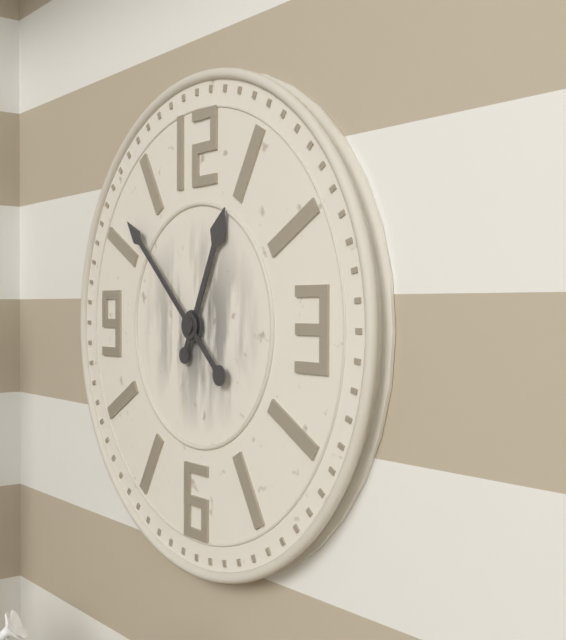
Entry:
h=12 m=52
